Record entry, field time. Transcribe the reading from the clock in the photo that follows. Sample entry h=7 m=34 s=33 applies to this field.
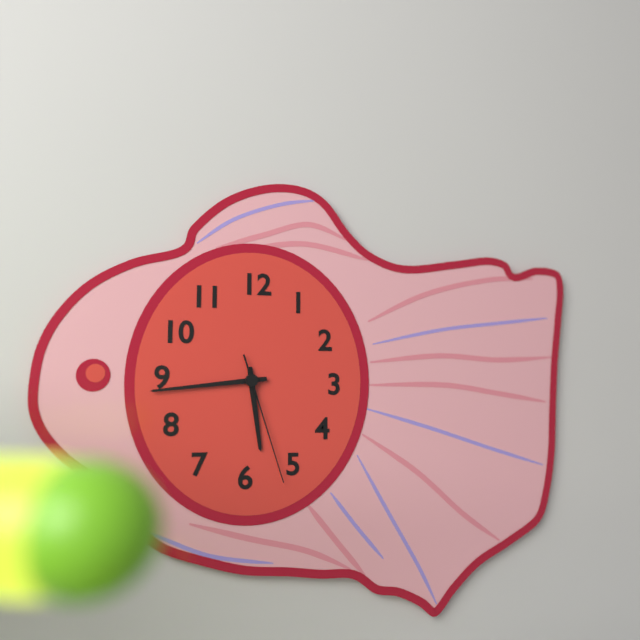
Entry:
h=5 m=44 s=27
